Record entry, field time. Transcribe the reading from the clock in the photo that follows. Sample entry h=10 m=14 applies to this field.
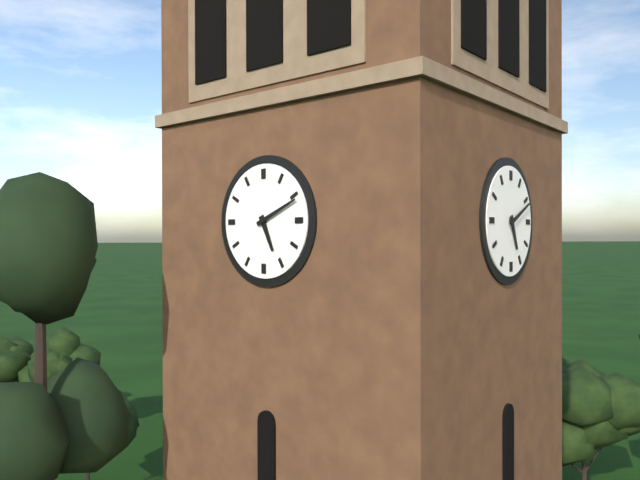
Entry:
h=5 m=11
